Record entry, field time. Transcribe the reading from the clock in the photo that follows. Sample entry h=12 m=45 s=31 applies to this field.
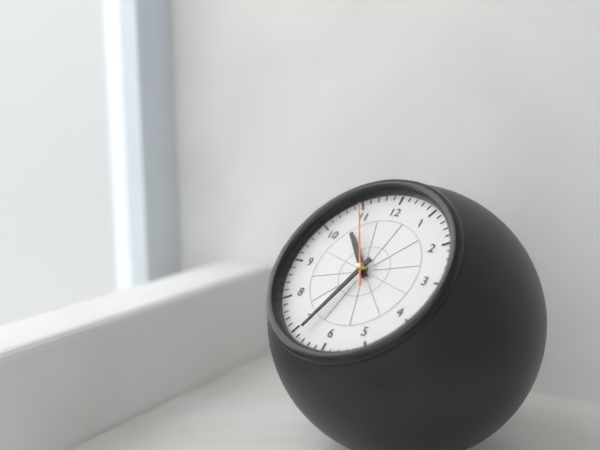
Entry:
h=10 m=34 s=55
